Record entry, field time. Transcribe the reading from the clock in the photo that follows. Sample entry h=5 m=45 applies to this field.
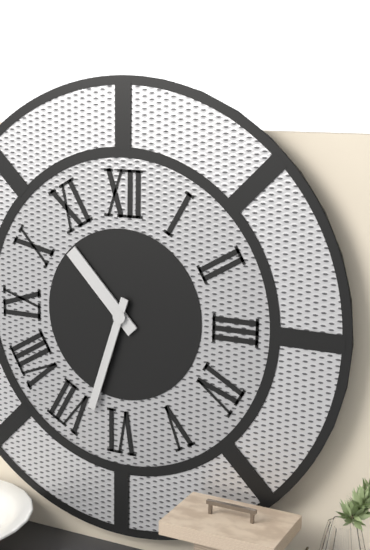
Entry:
h=10 m=33
